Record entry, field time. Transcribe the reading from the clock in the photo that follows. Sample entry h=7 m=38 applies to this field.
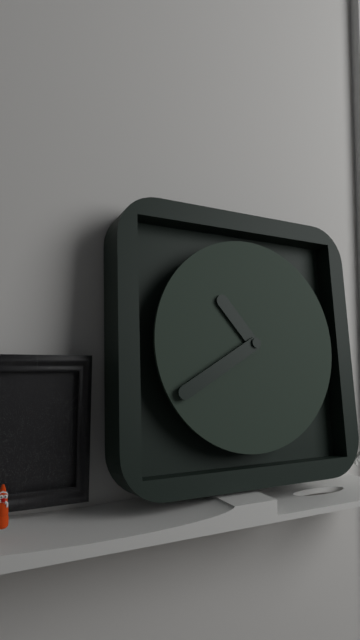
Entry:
h=10 m=40
